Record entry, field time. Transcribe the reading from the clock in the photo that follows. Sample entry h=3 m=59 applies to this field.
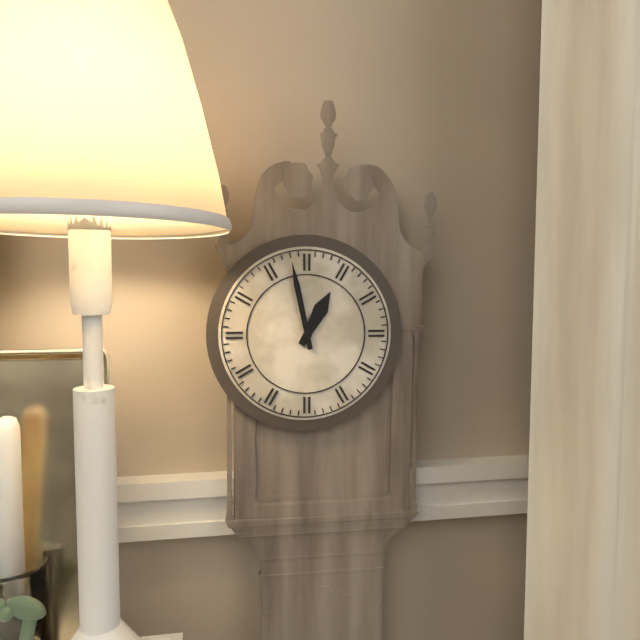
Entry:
h=12 m=58
